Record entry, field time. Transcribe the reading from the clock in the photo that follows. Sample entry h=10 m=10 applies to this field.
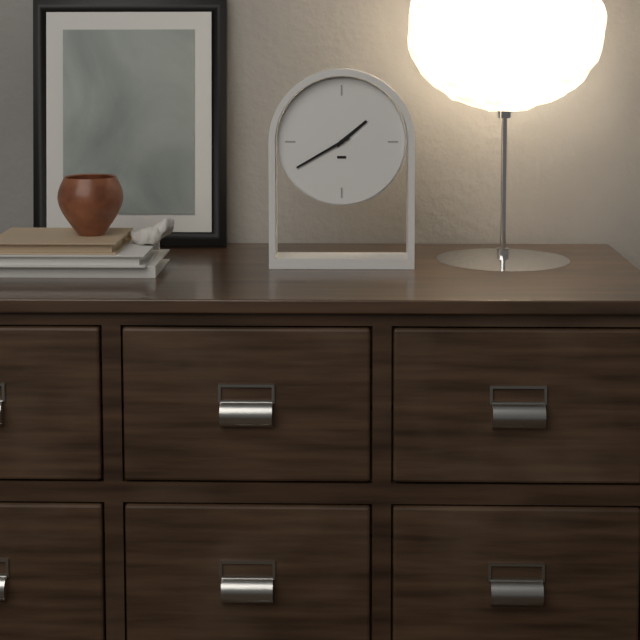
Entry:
h=1 m=40
